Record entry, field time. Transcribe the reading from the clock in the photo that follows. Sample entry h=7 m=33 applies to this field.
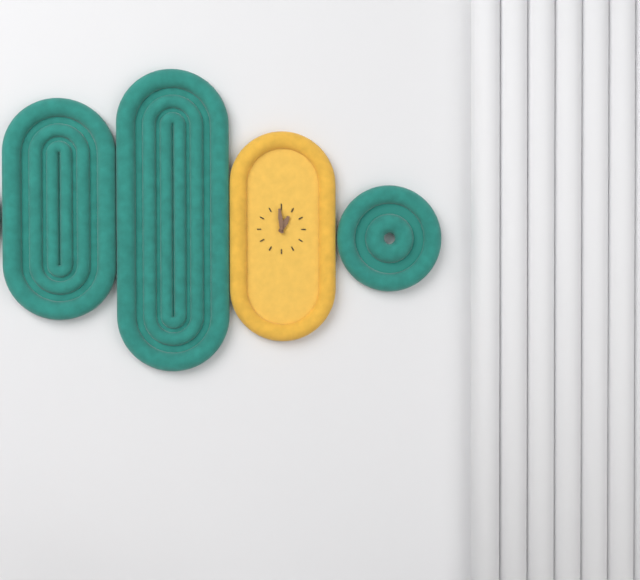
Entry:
h=12 m=59
